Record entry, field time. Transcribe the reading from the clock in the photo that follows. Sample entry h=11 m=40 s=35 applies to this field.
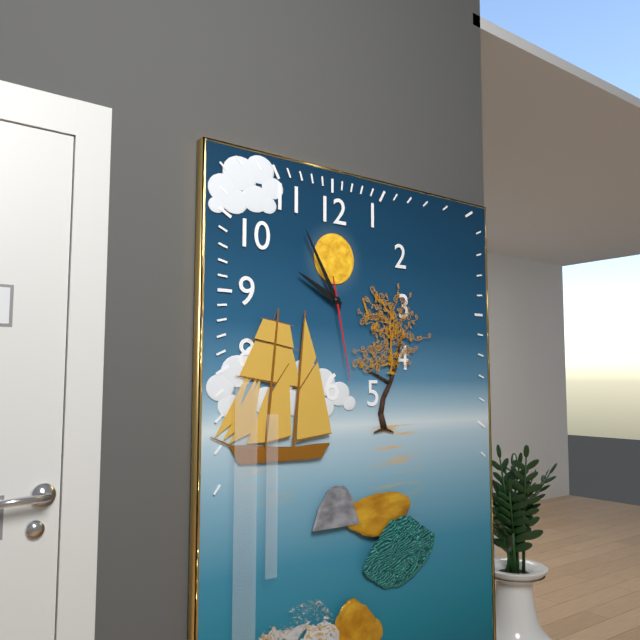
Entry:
h=9 m=55 s=28
